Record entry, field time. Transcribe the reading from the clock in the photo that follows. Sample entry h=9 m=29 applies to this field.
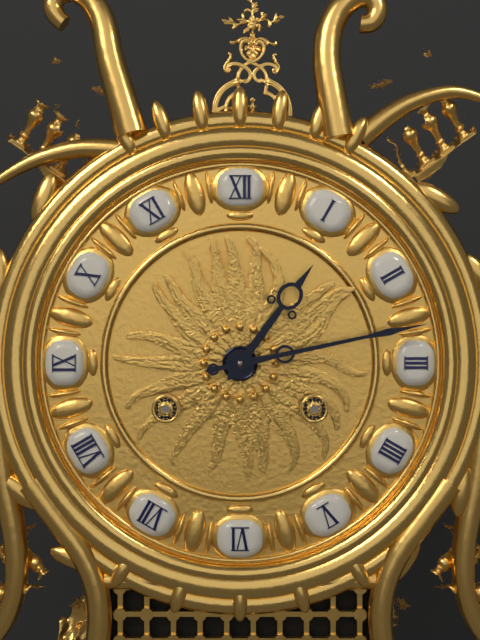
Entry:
h=1 m=13
